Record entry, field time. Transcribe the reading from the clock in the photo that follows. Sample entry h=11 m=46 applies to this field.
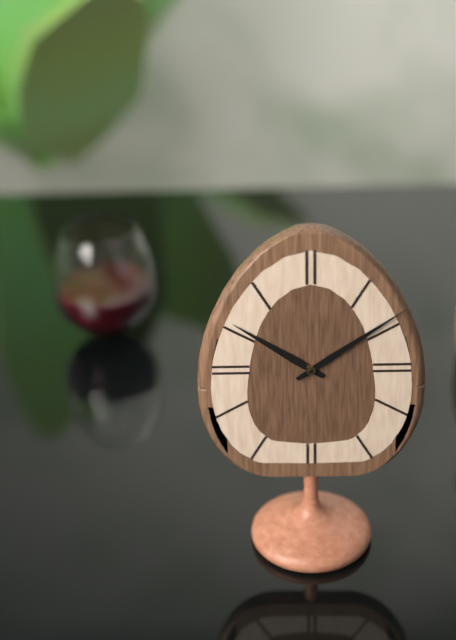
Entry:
h=10 m=9
